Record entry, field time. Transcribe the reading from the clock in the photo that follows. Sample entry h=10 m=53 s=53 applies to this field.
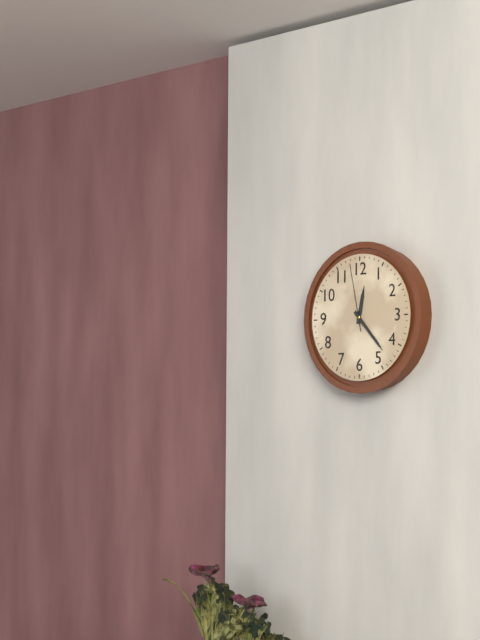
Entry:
h=12 m=23 s=58
